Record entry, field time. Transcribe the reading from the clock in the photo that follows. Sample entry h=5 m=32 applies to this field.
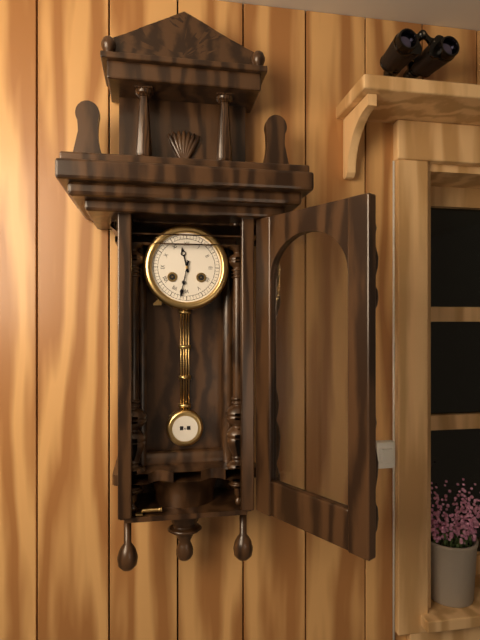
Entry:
h=11 m=32
